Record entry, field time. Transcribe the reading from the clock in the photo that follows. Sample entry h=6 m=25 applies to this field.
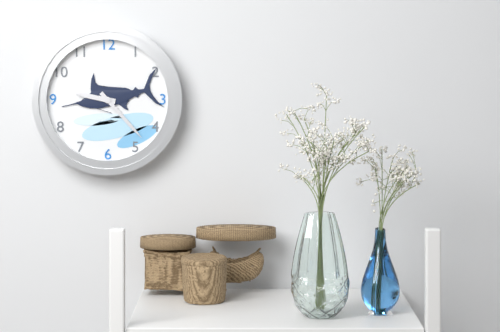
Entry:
h=9 m=23
